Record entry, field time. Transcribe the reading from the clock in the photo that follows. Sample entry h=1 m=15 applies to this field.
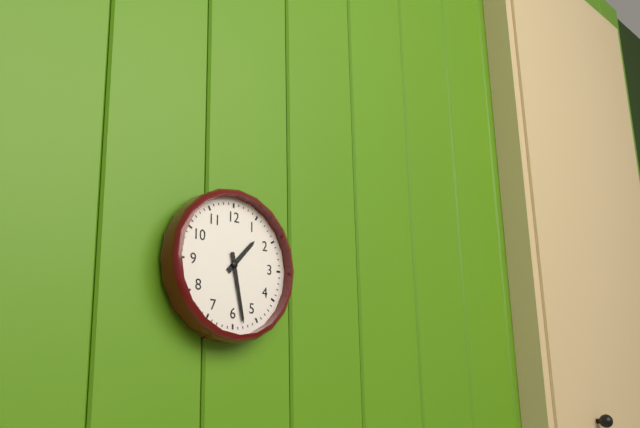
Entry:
h=1 m=28
